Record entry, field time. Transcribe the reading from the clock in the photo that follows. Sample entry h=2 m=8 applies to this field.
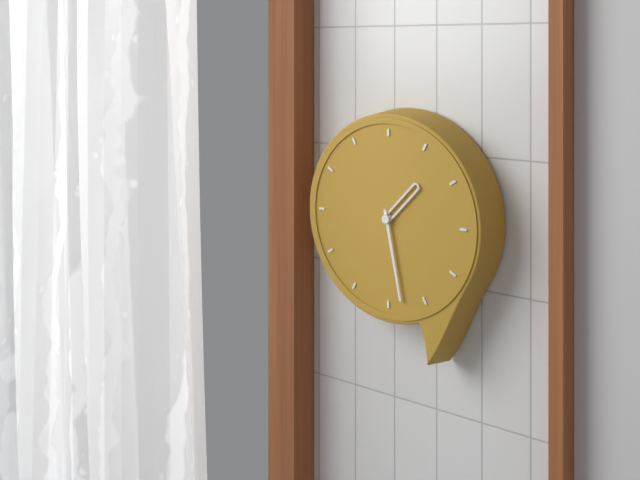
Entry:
h=1 m=28
